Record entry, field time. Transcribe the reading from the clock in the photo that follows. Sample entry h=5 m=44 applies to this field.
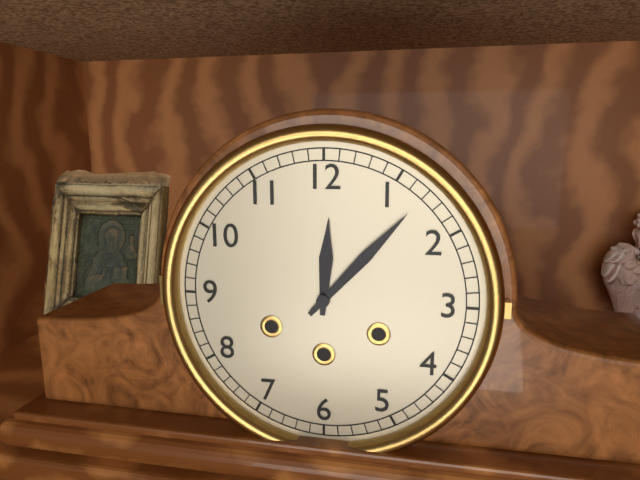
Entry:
h=12 m=7
